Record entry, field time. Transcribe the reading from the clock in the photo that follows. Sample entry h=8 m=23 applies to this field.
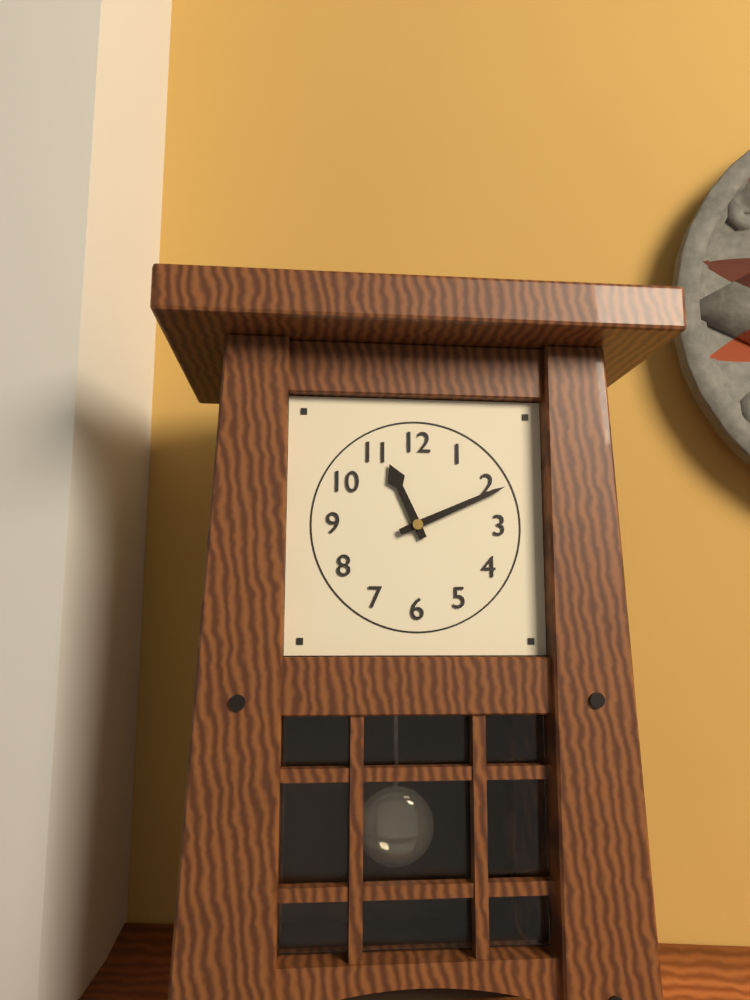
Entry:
h=11 m=11
